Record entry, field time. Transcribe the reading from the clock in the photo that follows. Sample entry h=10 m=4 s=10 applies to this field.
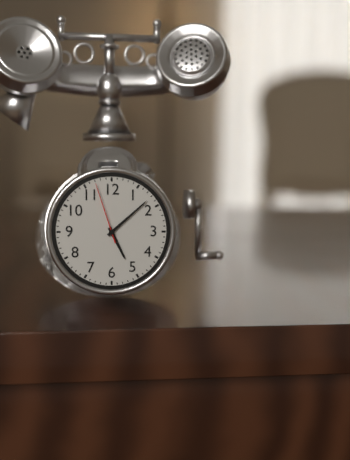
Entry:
h=5 m=8 s=57
